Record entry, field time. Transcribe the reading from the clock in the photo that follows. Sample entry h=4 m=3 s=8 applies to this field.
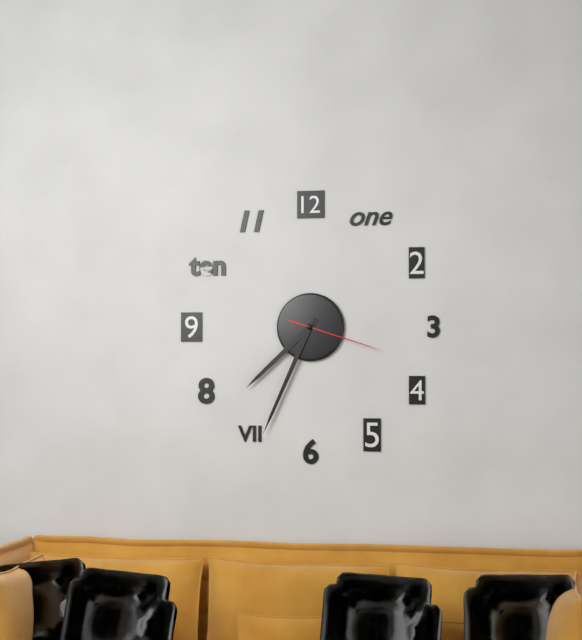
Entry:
h=7 m=34 s=18
